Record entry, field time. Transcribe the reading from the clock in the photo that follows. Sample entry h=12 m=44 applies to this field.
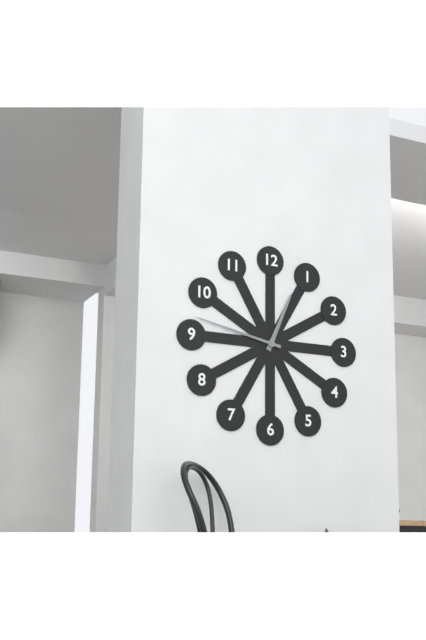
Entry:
h=12 m=47
